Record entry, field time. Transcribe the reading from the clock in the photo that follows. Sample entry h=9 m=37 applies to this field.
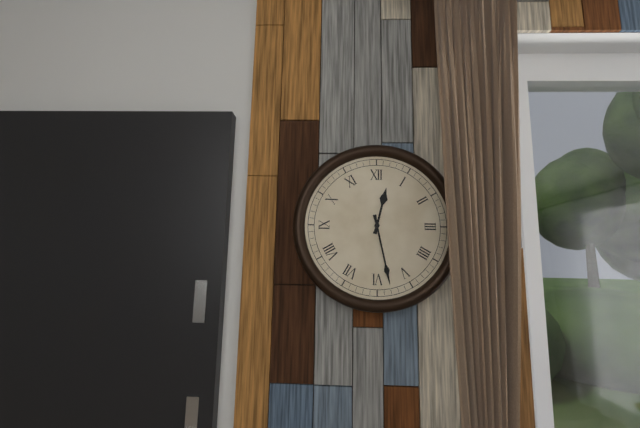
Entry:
h=12 m=28
